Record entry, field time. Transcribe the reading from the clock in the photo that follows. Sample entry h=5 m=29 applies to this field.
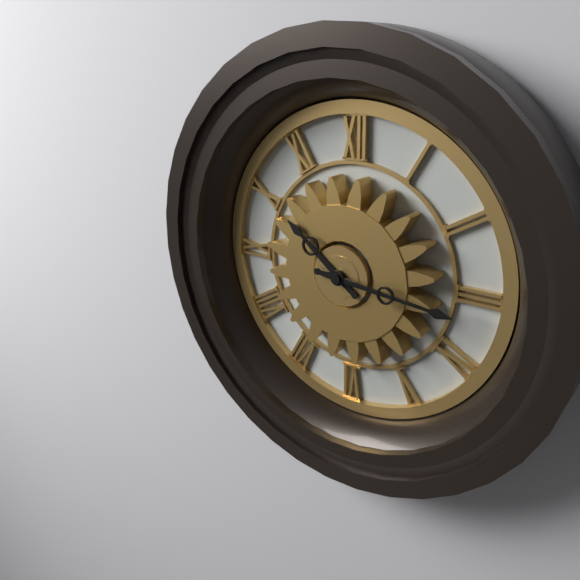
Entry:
h=10 m=16
